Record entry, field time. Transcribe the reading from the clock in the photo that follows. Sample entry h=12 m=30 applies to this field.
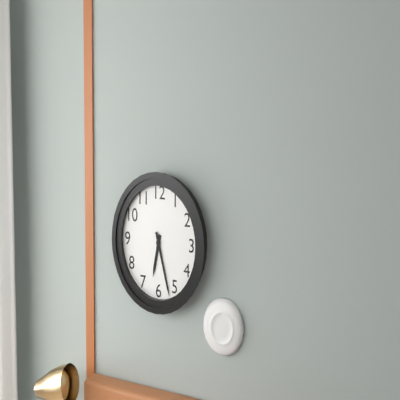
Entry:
h=6 m=27
